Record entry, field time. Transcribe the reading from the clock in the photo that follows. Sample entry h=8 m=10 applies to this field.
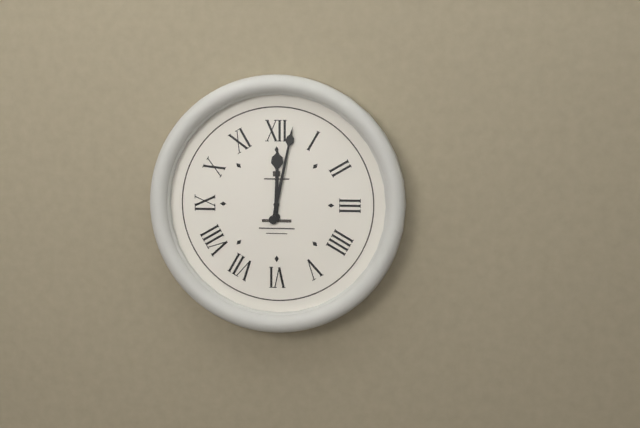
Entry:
h=12 m=2
